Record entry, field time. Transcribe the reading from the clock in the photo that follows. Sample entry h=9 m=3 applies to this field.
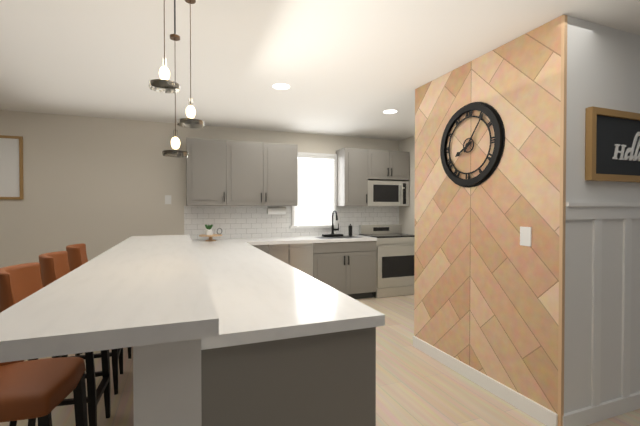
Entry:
h=8 m=6
